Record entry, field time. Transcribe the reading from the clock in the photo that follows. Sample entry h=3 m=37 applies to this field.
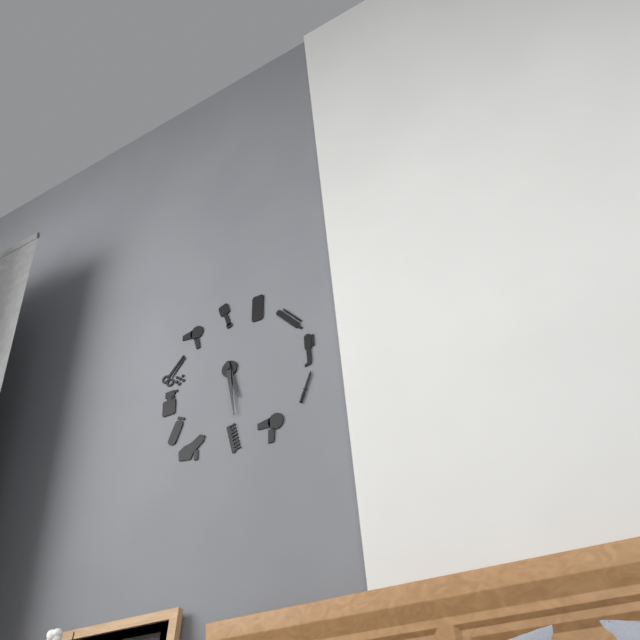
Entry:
h=5 m=29
